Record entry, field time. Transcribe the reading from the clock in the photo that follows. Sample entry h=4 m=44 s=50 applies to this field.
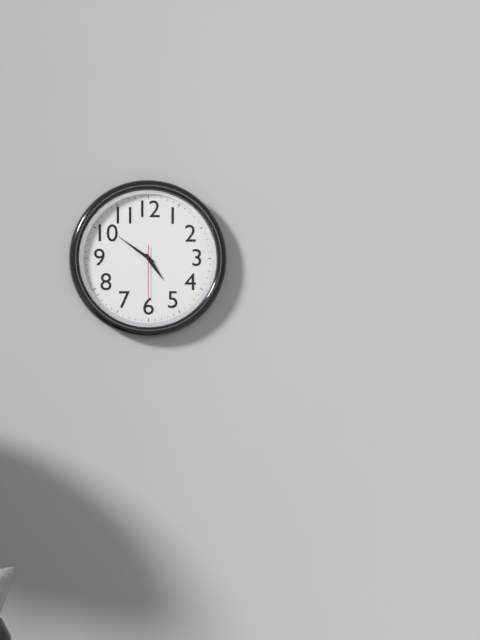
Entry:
h=4 m=51 s=30
